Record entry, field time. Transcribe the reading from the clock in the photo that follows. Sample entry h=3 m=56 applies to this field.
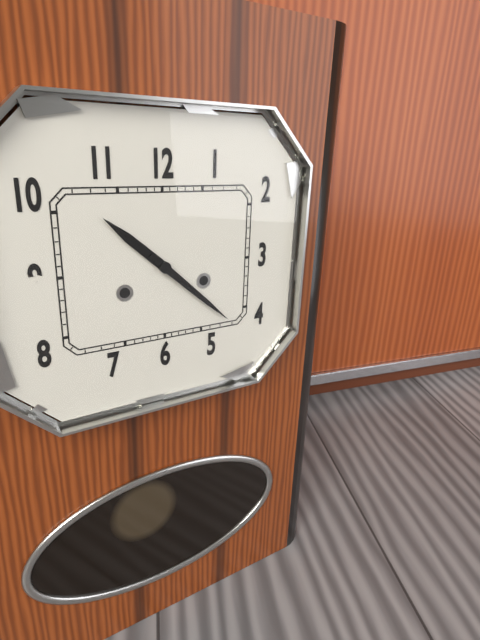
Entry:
h=10 m=22
